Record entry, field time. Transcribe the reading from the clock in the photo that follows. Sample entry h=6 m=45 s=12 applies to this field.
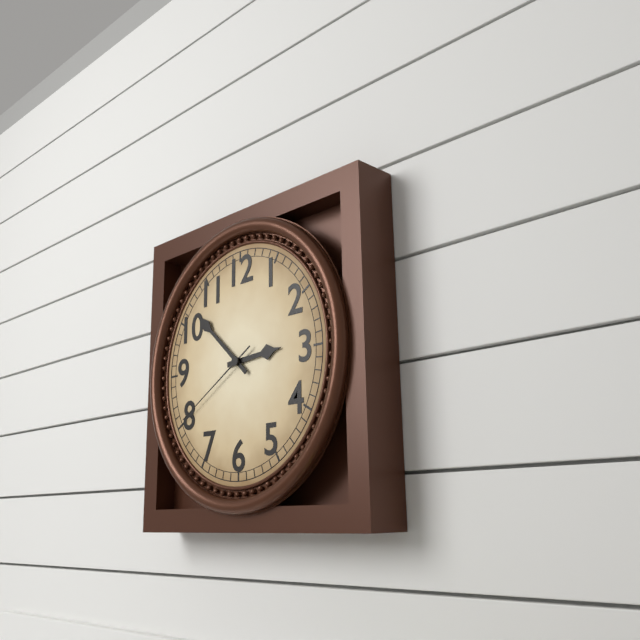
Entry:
h=2 m=52 s=40
